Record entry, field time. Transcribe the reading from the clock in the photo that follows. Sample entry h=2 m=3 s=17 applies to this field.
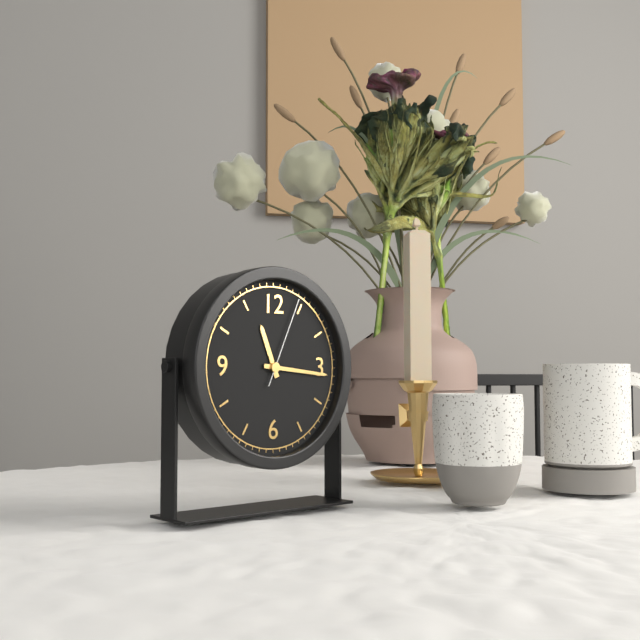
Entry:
h=11 m=16 s=4
